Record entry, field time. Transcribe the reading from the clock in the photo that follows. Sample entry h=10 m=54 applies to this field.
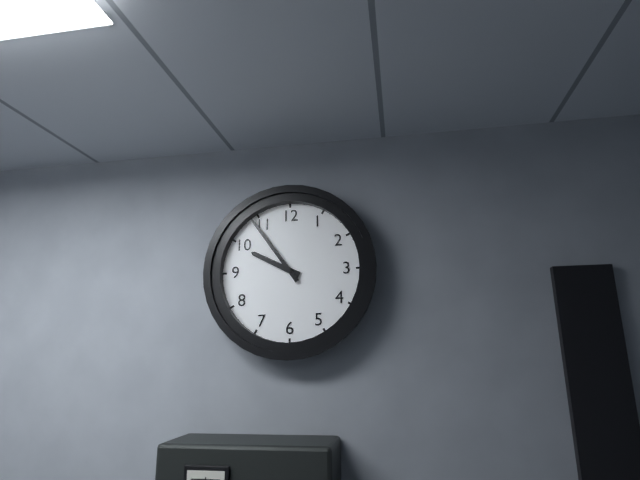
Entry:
h=9 m=54
